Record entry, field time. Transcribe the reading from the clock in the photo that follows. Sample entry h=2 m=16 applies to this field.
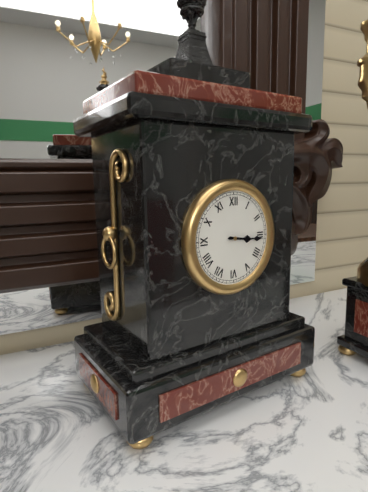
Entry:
h=3 m=16
